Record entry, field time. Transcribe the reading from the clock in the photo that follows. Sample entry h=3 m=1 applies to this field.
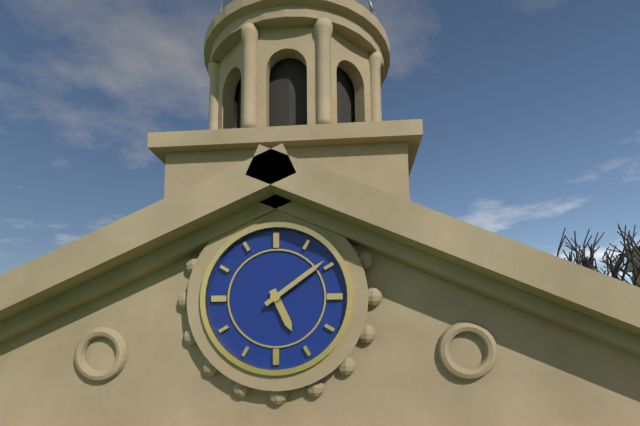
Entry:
h=5 m=9
